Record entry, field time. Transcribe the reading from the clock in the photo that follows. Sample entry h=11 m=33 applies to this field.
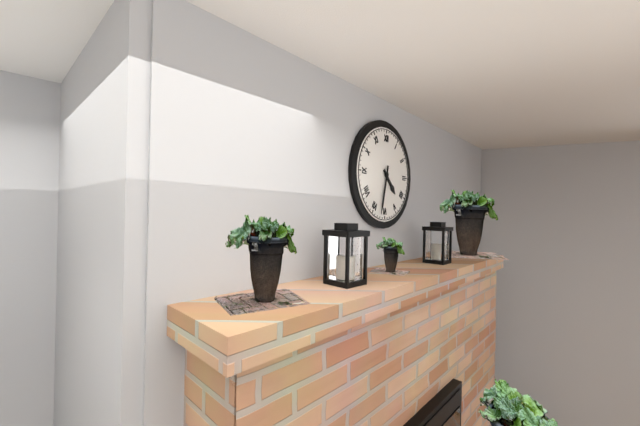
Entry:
h=4 m=32
